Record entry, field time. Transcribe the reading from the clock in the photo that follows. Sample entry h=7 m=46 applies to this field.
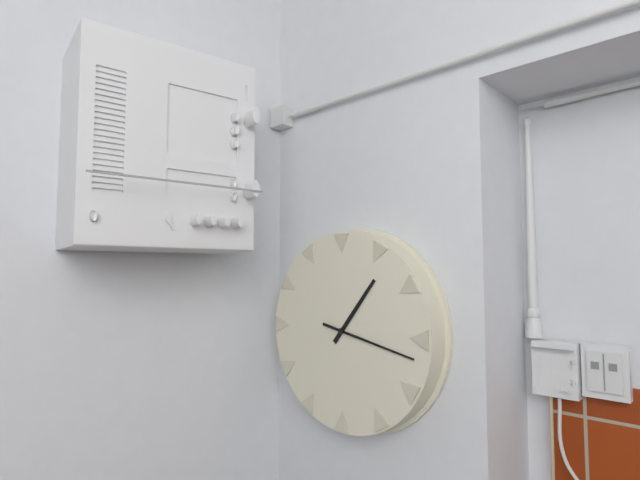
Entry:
h=1 m=17
